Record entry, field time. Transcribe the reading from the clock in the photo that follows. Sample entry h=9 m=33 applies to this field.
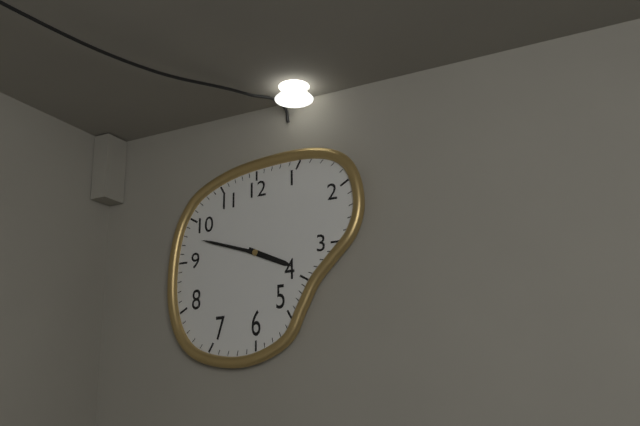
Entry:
h=3 m=48
